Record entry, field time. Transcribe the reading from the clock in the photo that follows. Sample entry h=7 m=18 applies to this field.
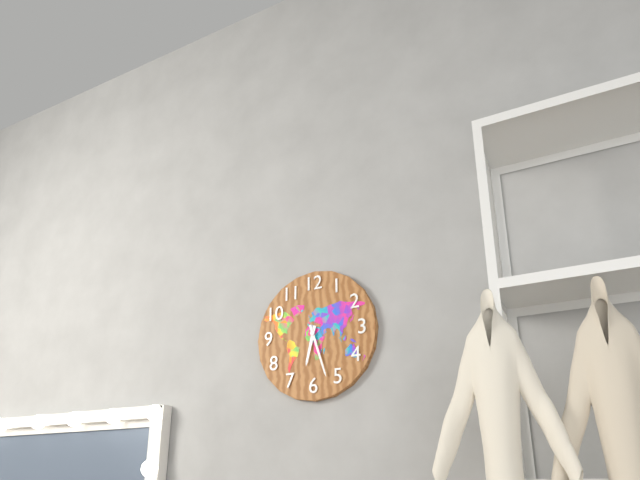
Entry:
h=6 m=27
